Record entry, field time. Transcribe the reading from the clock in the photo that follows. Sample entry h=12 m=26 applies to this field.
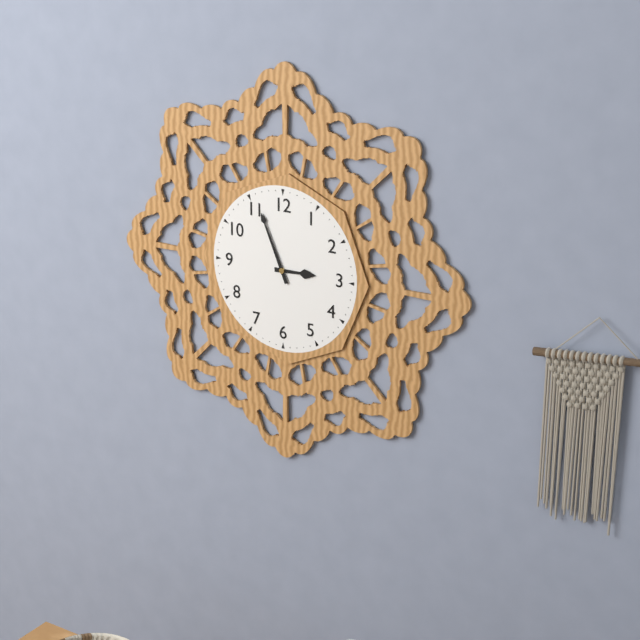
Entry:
h=2 m=56
